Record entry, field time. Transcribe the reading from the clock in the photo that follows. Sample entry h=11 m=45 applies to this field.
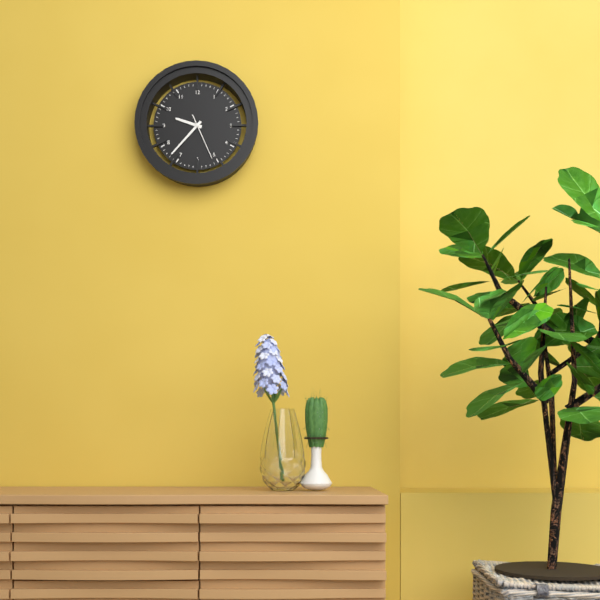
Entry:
h=9 m=37
